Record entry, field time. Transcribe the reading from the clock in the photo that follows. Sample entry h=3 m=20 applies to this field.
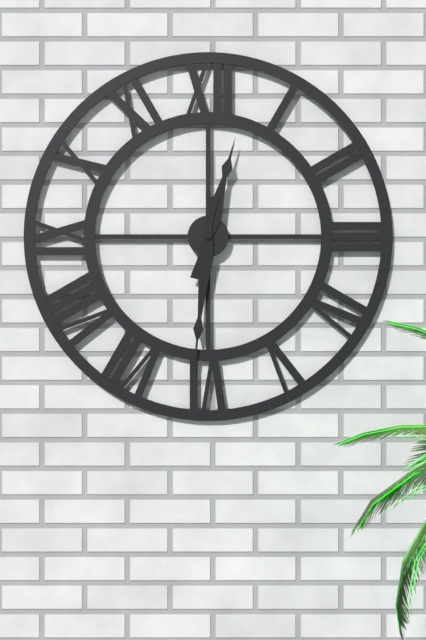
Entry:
h=12 m=31
